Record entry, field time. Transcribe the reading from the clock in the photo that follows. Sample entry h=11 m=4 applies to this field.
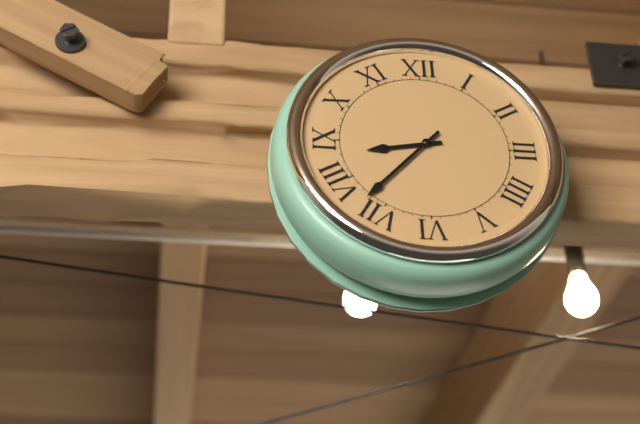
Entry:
h=8 m=37
